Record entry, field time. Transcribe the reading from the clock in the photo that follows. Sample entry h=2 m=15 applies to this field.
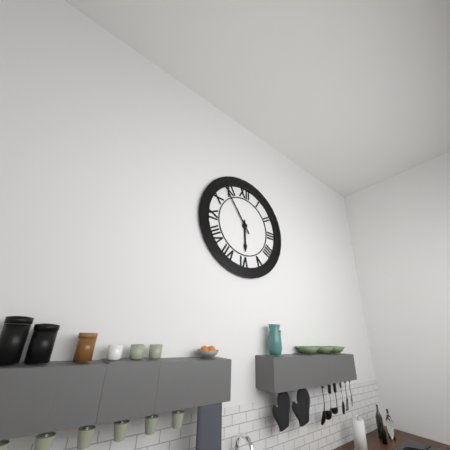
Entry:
h=5 m=54
